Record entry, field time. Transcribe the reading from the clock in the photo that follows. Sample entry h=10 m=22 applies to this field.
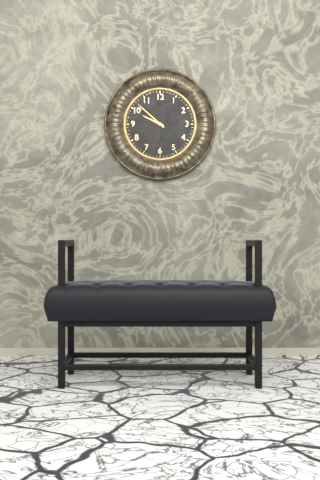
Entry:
h=9 m=52
